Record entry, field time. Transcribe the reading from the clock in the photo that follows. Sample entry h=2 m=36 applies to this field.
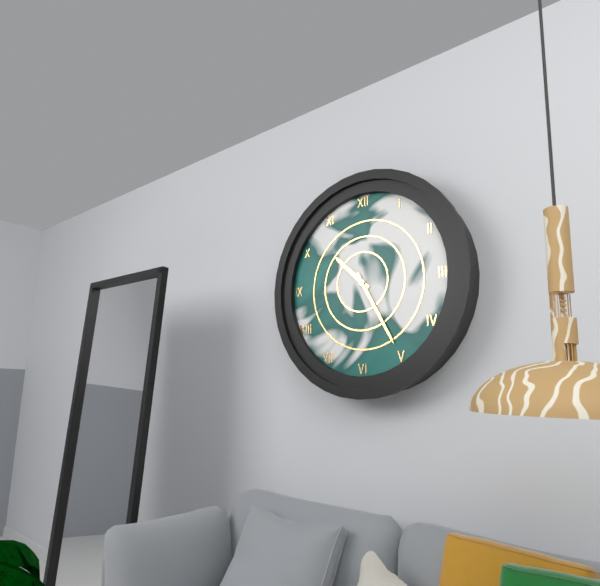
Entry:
h=10 m=25
